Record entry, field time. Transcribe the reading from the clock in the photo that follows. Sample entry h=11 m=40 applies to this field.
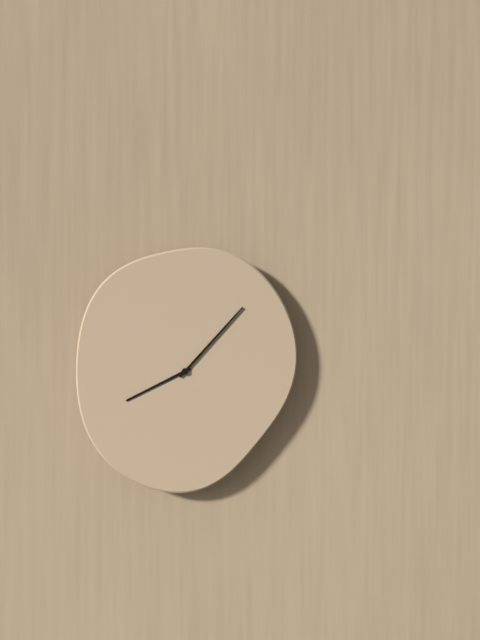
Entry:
h=8 m=7
